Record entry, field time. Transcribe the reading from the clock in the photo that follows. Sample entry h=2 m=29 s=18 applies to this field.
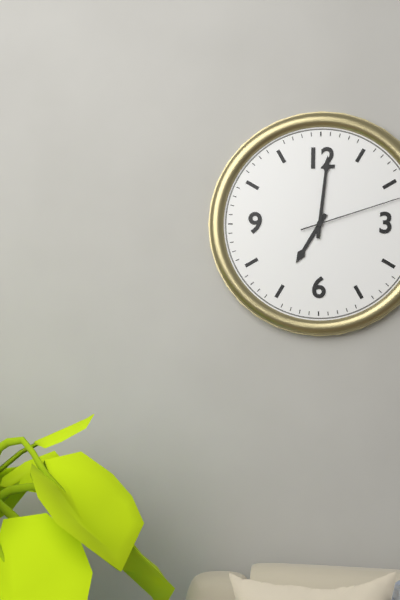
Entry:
h=7 m=1 s=12
